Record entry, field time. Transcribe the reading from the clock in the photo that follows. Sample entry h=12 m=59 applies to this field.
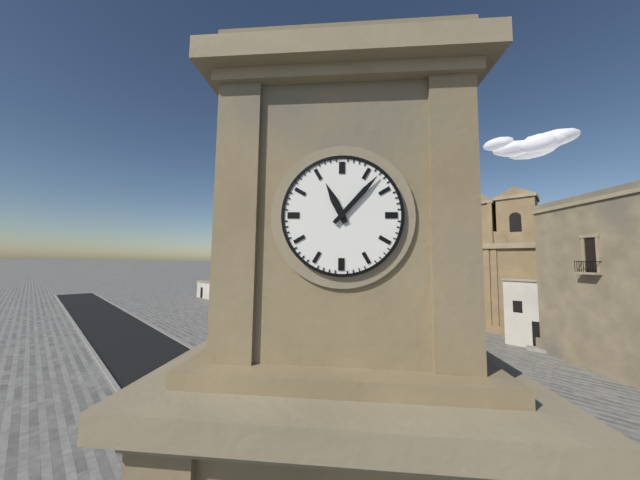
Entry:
h=11 m=7
